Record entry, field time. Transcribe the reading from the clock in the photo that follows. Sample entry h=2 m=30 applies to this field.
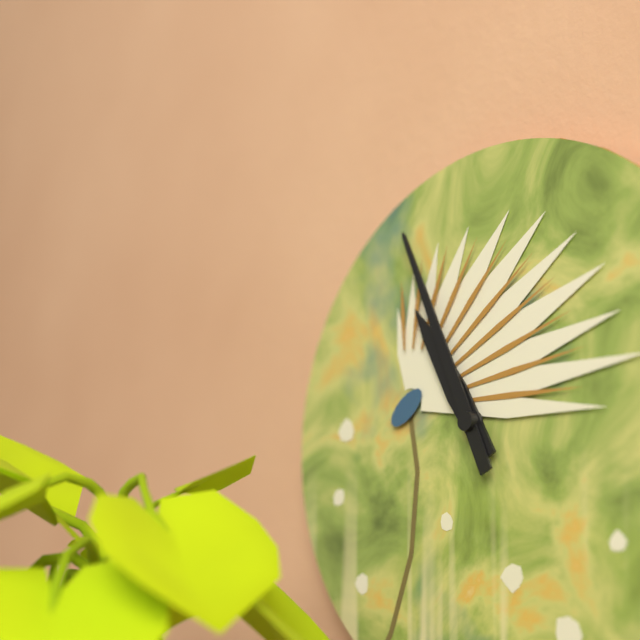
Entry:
h=10 m=56
